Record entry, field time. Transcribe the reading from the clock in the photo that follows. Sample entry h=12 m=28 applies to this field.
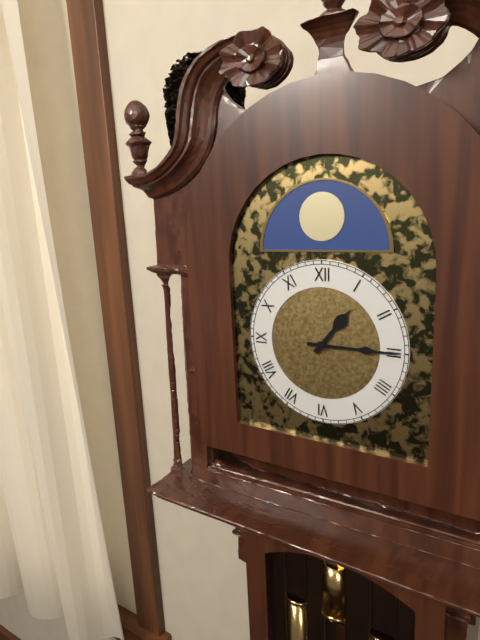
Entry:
h=1 m=15
